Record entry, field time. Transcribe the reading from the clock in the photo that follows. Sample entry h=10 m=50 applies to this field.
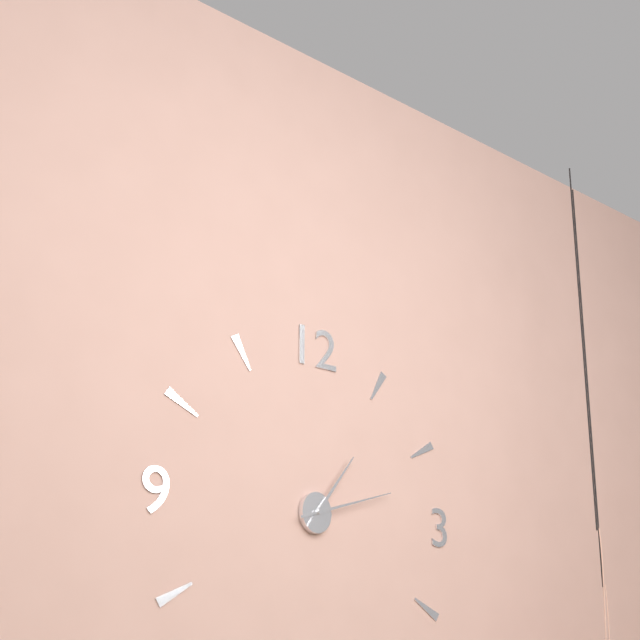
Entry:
h=1 m=12
